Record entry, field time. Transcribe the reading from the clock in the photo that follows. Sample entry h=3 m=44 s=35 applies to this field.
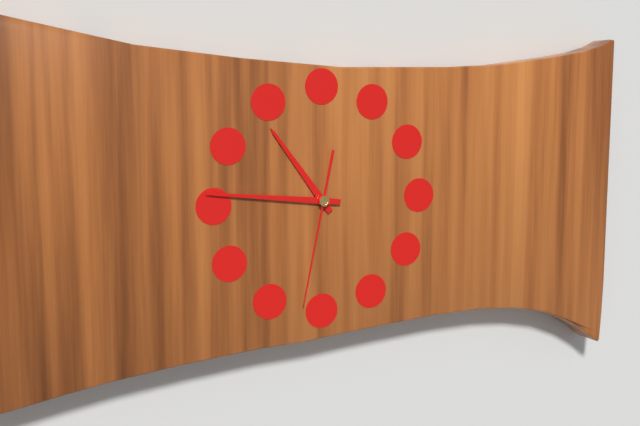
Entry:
h=10 m=46 s=32
